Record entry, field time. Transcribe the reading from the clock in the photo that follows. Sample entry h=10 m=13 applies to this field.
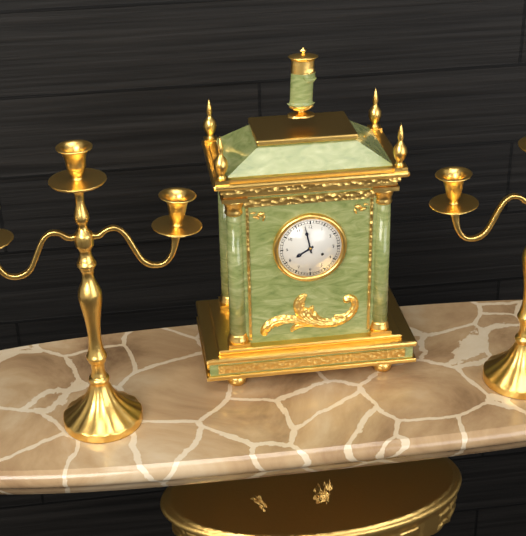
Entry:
h=7 m=58
